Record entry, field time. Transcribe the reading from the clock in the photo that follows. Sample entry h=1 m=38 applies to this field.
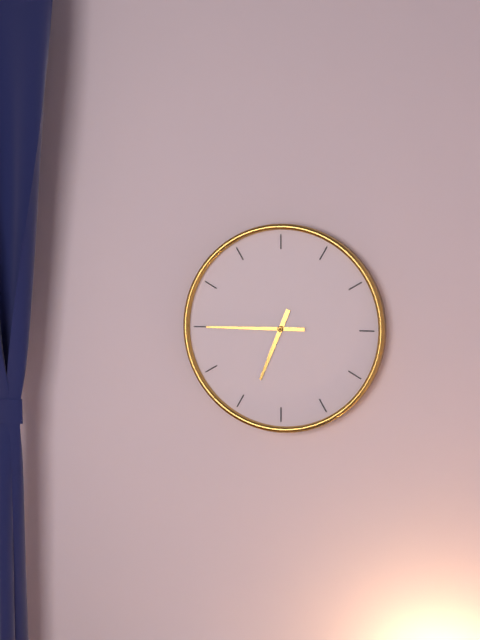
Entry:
h=6 m=45
